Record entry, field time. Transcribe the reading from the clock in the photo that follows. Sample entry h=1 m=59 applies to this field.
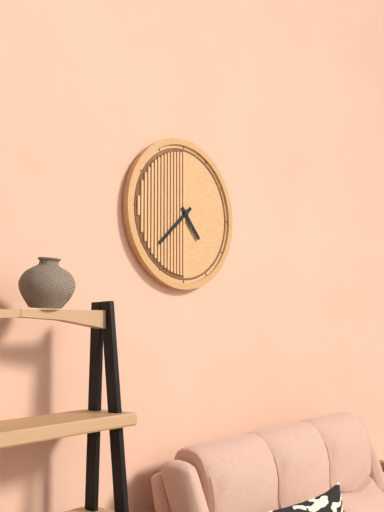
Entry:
h=4 m=38
